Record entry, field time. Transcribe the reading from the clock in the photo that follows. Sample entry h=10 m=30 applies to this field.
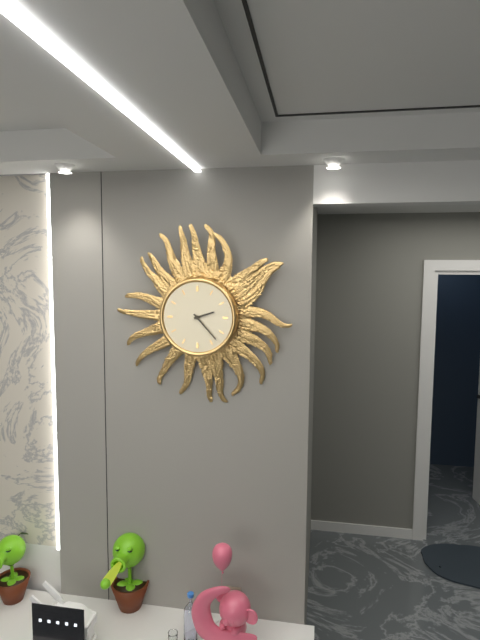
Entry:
h=2 m=23
